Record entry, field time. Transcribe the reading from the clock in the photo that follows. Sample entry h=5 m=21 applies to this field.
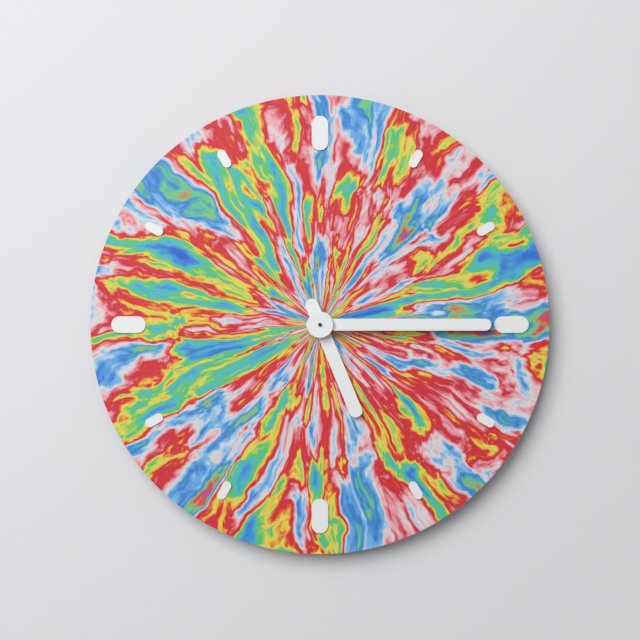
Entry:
h=5 m=15
